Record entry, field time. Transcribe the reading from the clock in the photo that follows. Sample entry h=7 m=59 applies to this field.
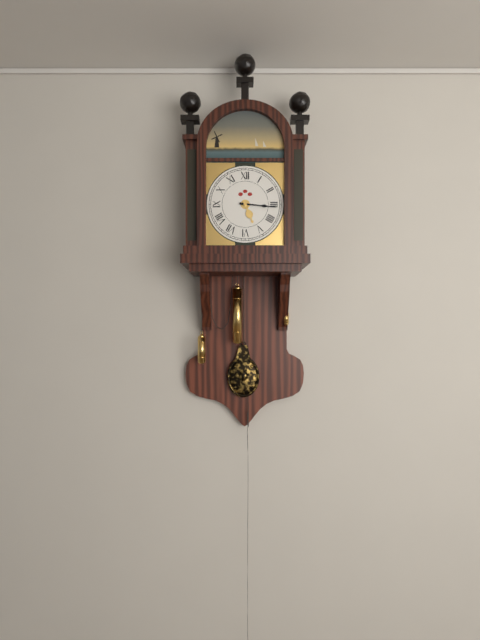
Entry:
h=5 m=16
